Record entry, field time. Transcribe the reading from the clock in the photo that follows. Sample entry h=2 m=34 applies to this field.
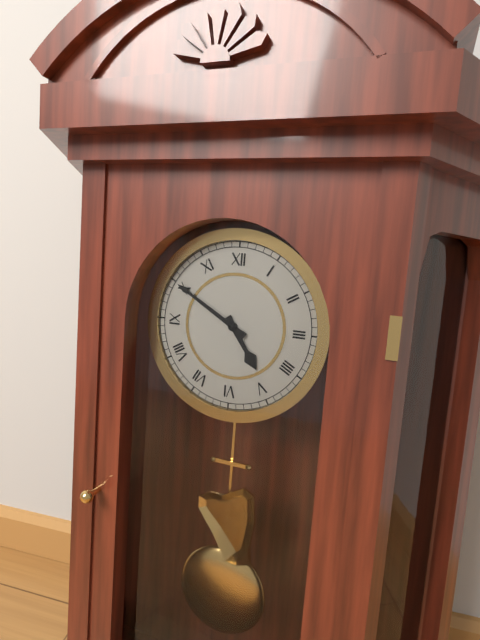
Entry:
h=4 m=50
